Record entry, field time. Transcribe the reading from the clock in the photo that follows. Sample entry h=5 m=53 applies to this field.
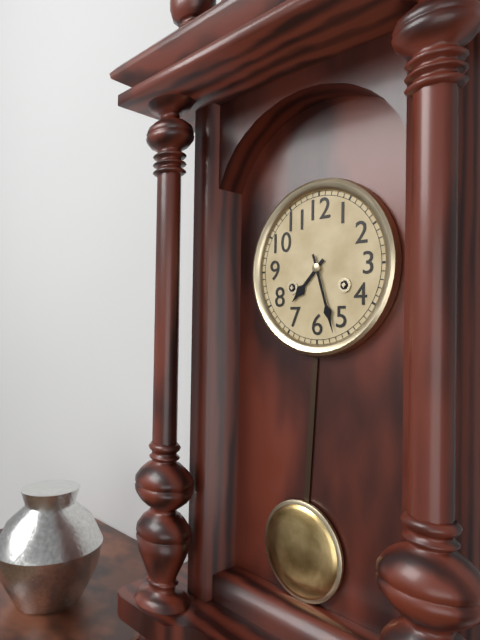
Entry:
h=7 m=27
